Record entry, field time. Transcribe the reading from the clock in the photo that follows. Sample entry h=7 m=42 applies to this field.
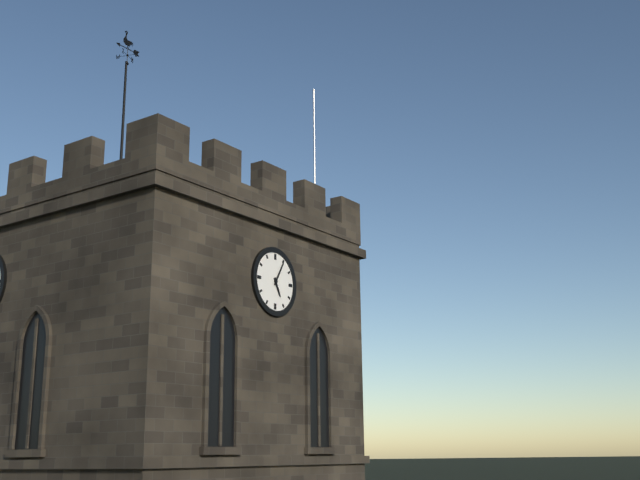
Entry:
h=5 m=5
